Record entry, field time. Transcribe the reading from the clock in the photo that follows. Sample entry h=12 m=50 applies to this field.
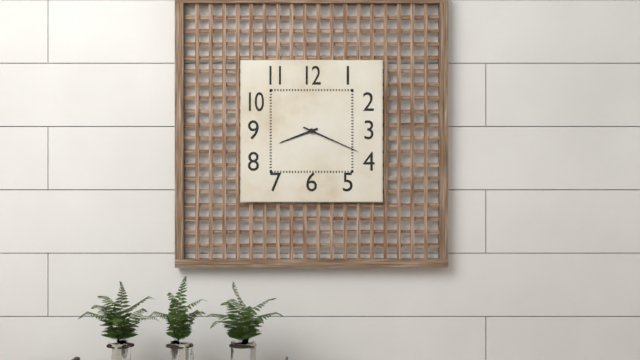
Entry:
h=8 m=19
